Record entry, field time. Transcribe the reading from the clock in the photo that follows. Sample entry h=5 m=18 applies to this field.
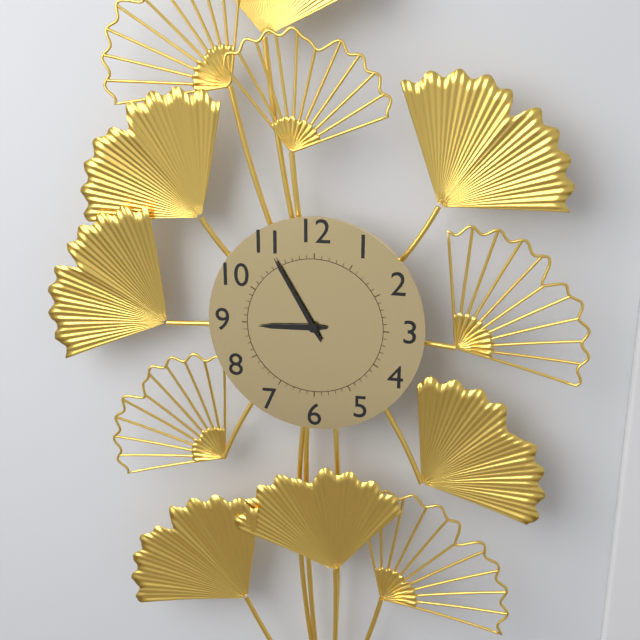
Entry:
h=8 m=55
